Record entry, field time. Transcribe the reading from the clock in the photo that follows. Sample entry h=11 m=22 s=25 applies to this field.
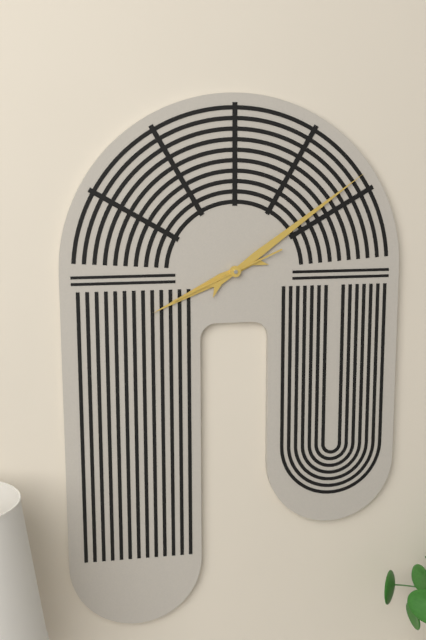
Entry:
h=8 m=9 s=41
